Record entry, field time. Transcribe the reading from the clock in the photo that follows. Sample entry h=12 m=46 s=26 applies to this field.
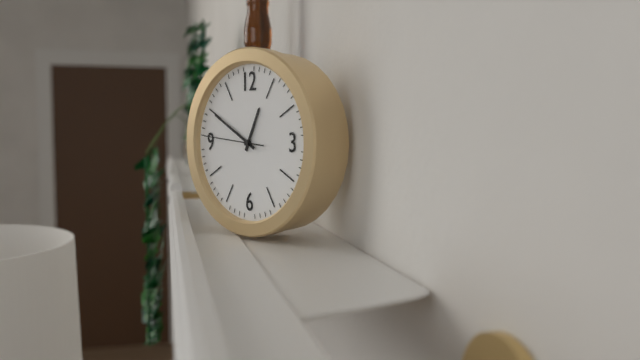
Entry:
h=12 m=50 s=46
